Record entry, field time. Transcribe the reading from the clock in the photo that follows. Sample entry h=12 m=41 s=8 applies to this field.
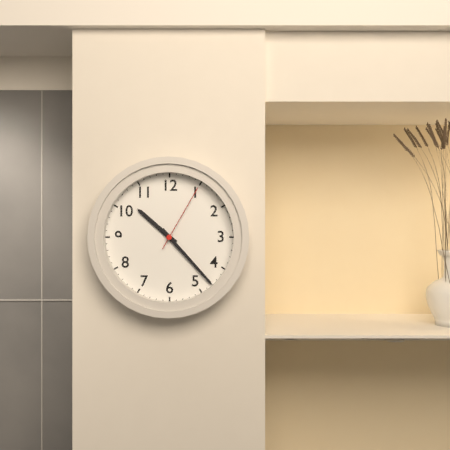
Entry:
h=10 m=23 s=5
